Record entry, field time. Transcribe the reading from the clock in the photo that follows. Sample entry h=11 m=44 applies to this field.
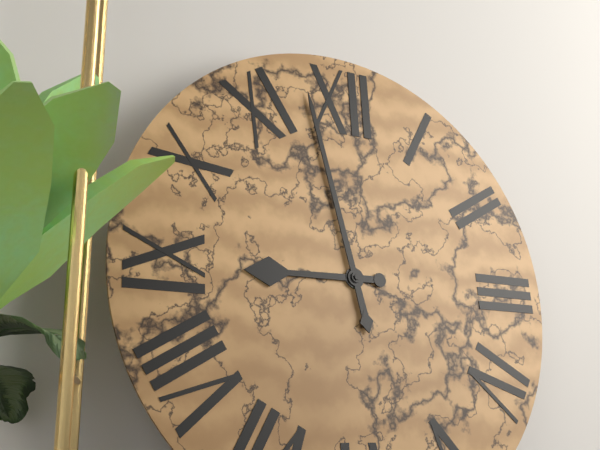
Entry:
h=8 m=58
